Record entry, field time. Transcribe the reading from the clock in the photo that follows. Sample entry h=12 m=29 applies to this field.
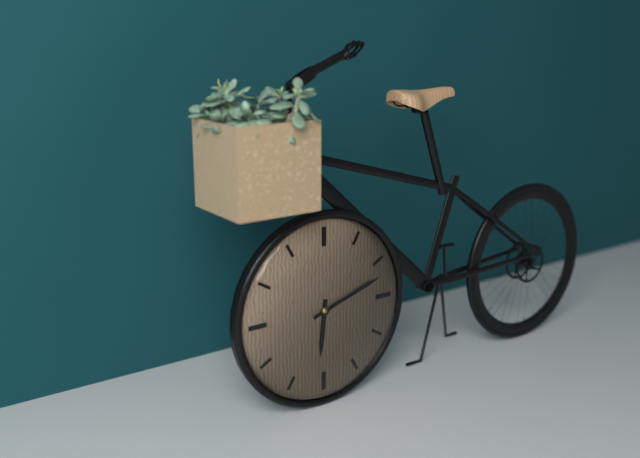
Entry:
h=6 m=12
